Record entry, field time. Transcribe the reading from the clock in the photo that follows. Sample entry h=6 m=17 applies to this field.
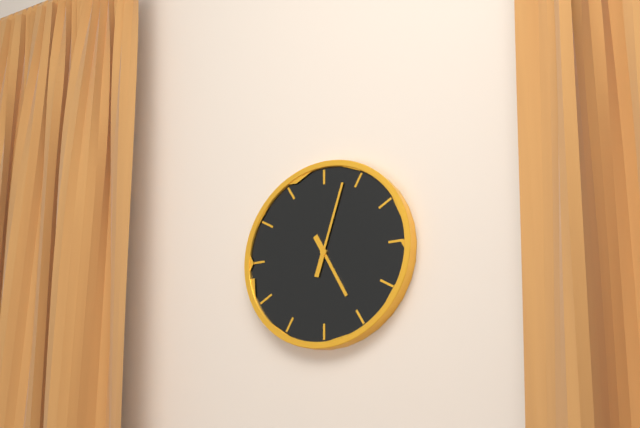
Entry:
h=5 m=3
